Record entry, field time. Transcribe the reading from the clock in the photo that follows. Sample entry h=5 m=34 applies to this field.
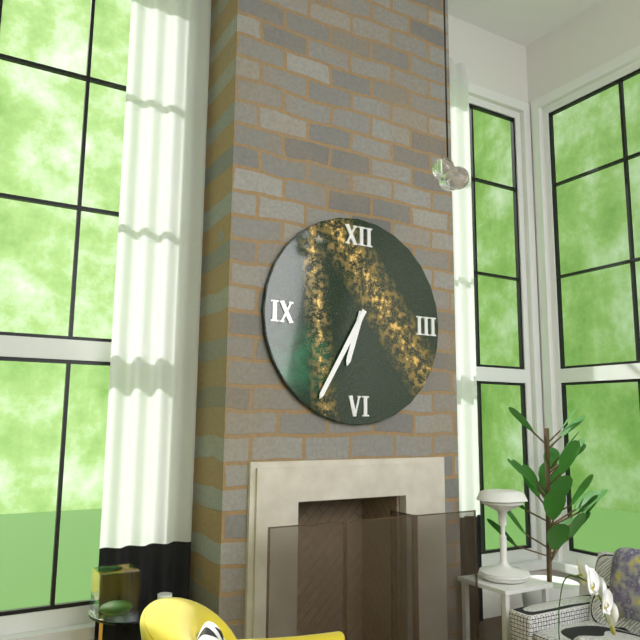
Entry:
h=6 m=35
